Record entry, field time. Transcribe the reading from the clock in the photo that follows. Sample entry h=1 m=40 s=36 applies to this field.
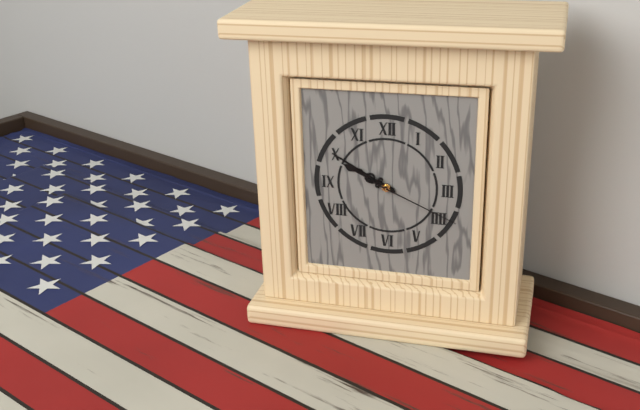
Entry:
h=9 m=50 s=19
